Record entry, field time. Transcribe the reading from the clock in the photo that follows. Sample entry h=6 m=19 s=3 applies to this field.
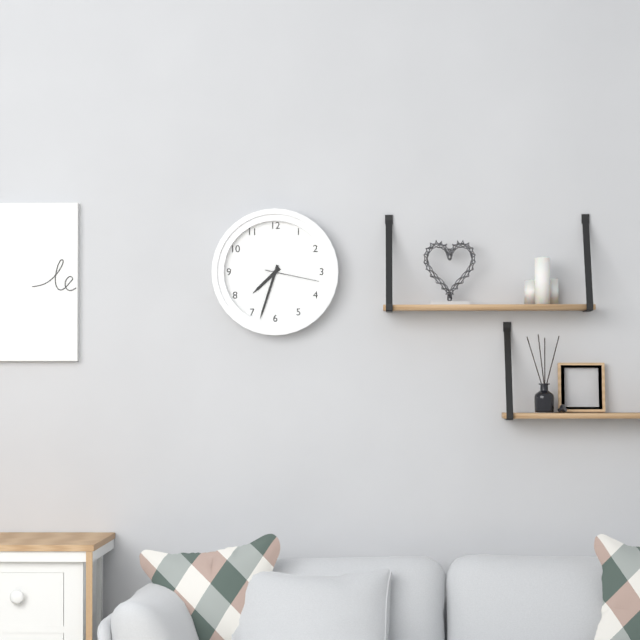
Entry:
h=7 m=33 s=17
